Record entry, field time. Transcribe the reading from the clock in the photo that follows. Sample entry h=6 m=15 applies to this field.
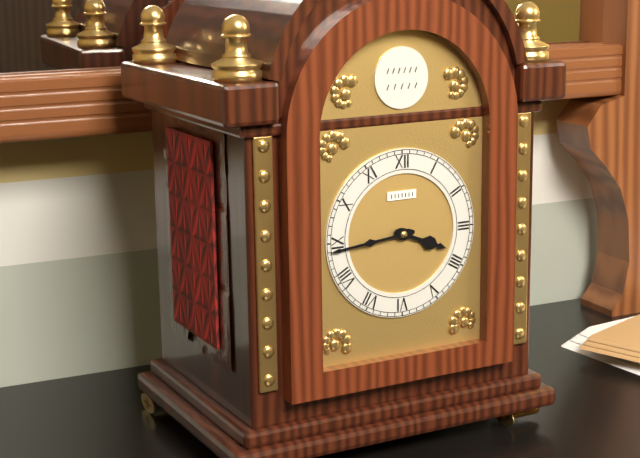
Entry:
h=3 m=44
